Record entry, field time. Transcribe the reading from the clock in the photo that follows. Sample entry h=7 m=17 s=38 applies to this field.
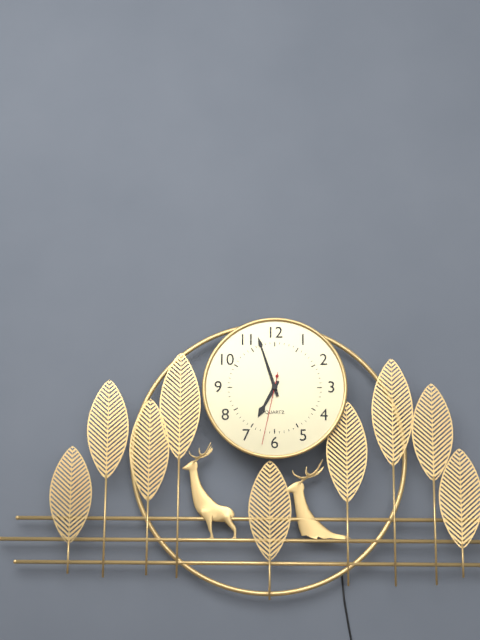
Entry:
h=6 m=57 s=32
